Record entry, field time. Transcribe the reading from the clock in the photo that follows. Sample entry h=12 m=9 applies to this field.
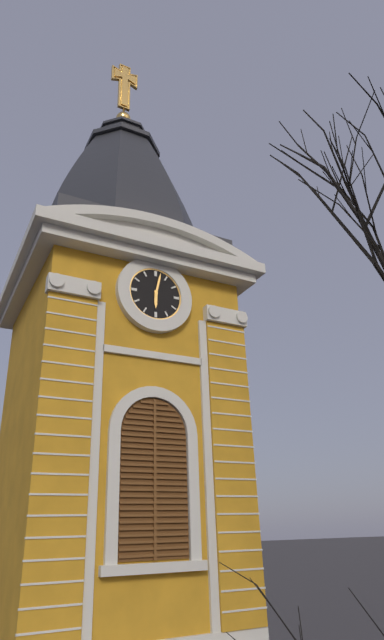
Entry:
h=6 m=2
